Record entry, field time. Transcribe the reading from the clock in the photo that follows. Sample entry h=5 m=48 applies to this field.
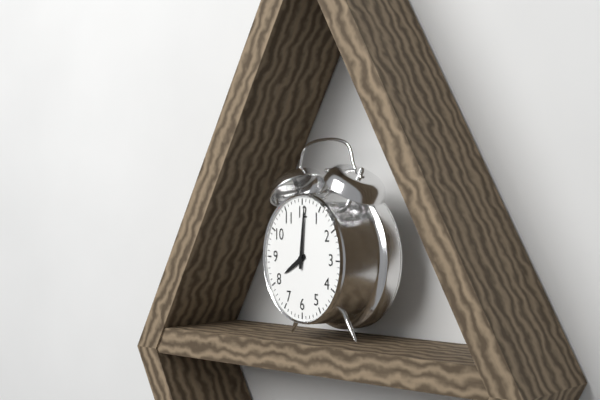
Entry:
h=8 m=1
